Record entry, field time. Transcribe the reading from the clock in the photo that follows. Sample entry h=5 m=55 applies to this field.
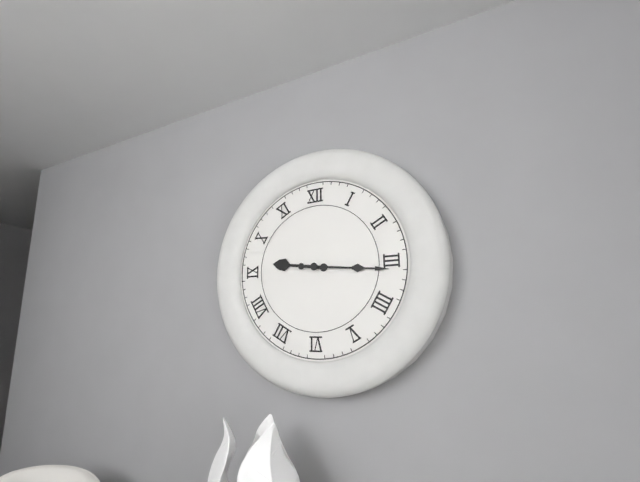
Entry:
h=9 m=16
